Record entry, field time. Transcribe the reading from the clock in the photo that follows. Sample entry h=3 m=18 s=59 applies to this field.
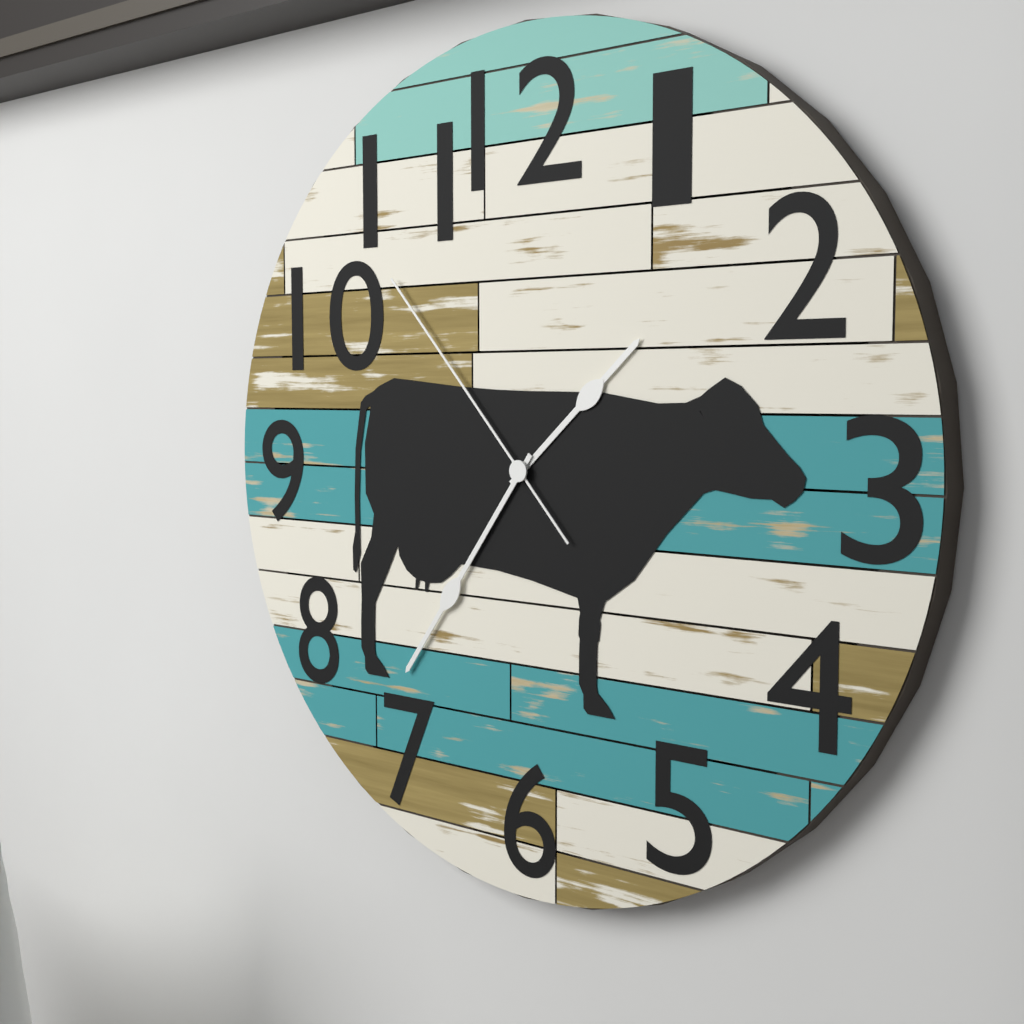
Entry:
h=1 m=36 s=53
